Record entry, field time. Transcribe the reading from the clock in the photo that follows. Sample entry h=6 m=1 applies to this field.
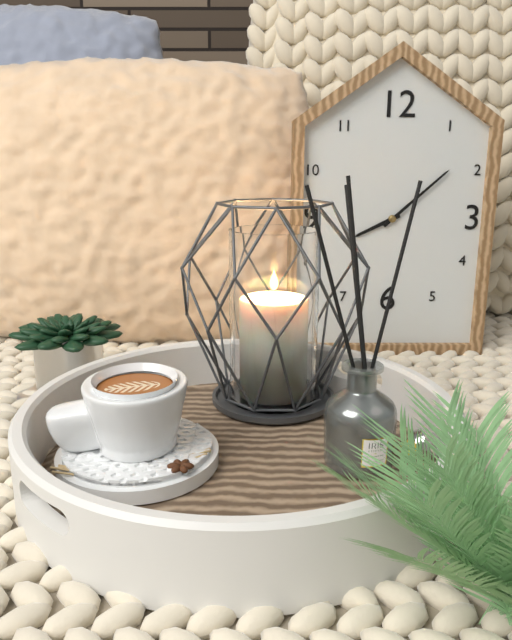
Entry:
h=8 m=8
